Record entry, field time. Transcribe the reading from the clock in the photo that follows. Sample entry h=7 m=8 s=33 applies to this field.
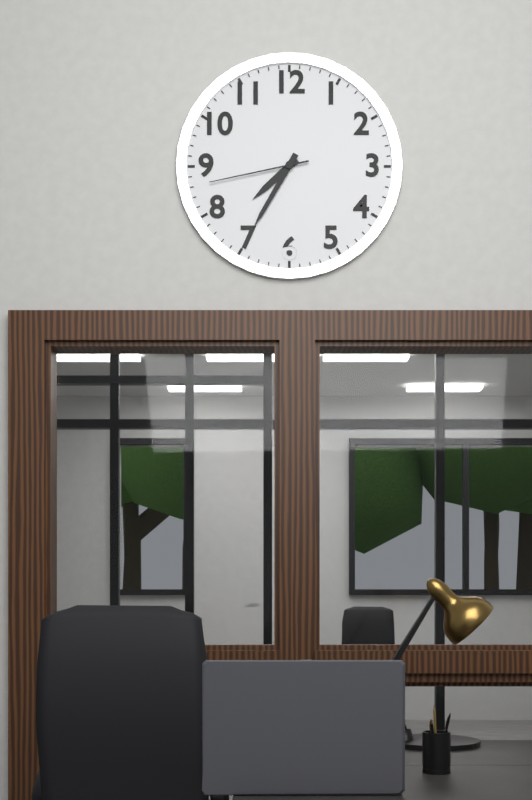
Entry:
h=7 m=35 s=43
